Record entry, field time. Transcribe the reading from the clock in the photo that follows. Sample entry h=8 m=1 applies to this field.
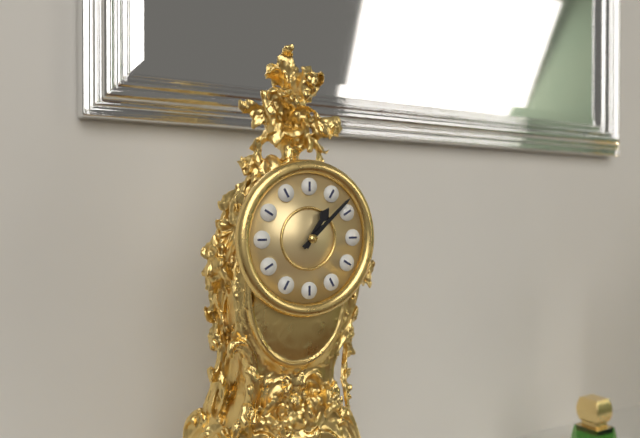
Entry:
h=1 m=8
